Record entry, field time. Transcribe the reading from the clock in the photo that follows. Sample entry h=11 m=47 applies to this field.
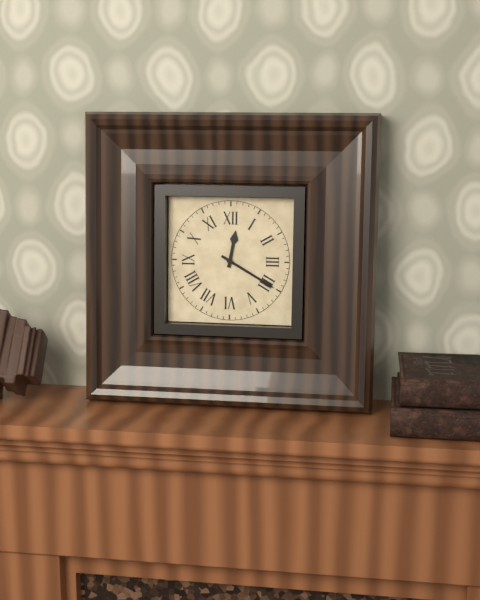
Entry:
h=12 m=20
